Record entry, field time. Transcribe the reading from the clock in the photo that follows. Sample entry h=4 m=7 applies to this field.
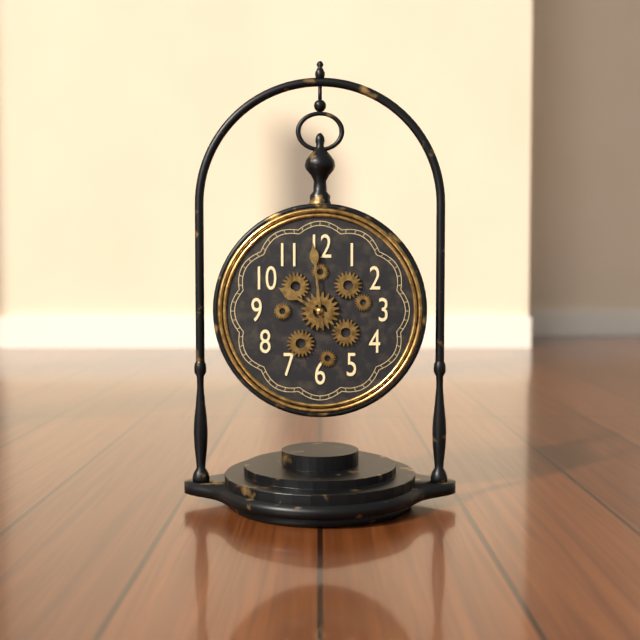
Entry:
h=9 m=59
